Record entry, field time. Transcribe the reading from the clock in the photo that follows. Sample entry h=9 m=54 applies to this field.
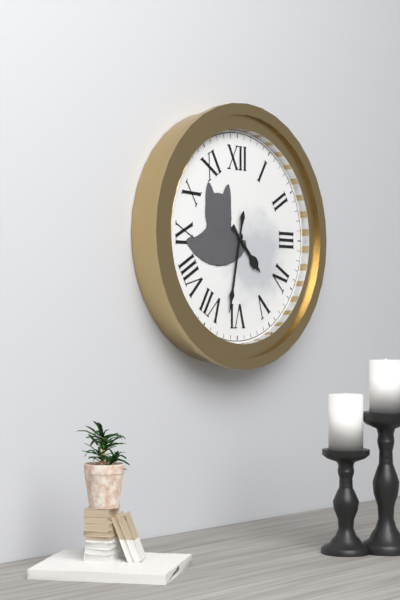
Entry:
h=4 m=32
